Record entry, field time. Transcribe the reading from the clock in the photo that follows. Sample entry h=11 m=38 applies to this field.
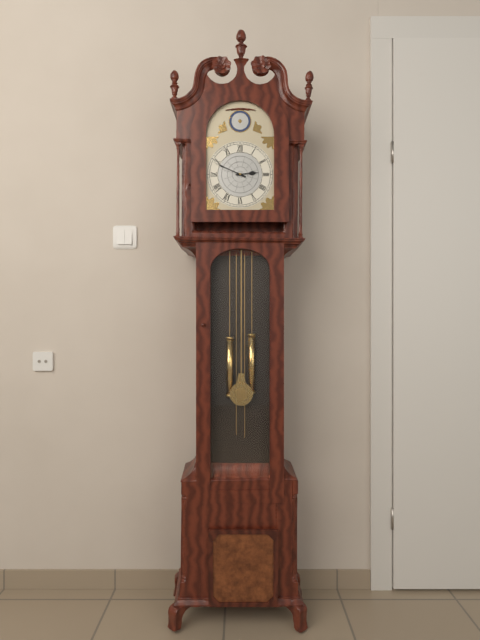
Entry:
h=2 m=49
